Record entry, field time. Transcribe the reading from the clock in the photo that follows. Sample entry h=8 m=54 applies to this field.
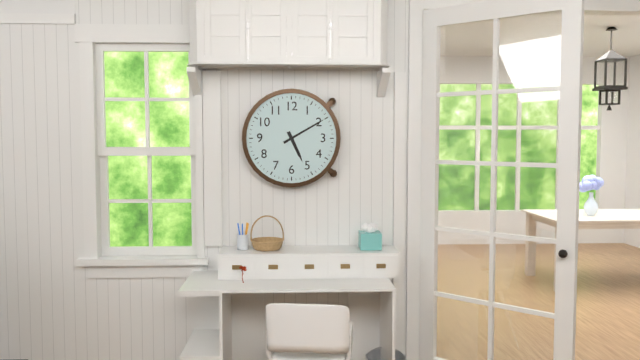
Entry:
h=5 m=10
